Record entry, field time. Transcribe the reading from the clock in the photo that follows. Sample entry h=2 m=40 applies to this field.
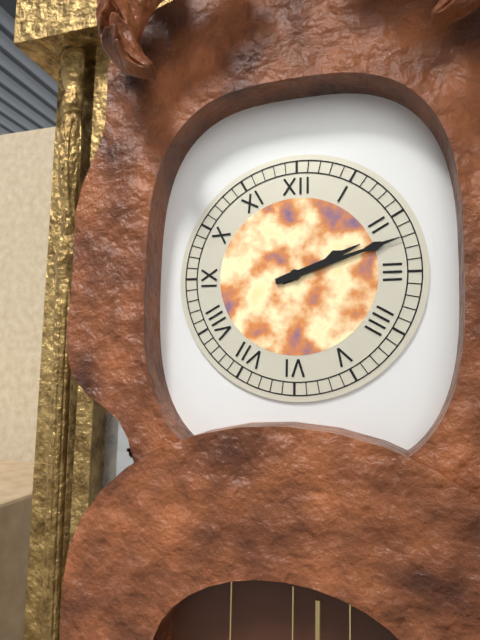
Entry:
h=2 m=12
